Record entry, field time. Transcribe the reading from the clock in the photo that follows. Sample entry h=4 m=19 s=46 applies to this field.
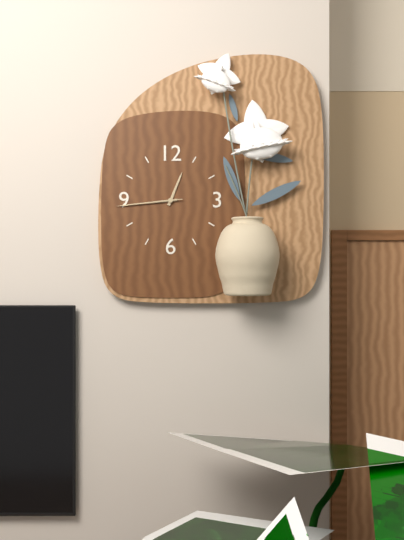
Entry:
h=12 m=44 s=44
